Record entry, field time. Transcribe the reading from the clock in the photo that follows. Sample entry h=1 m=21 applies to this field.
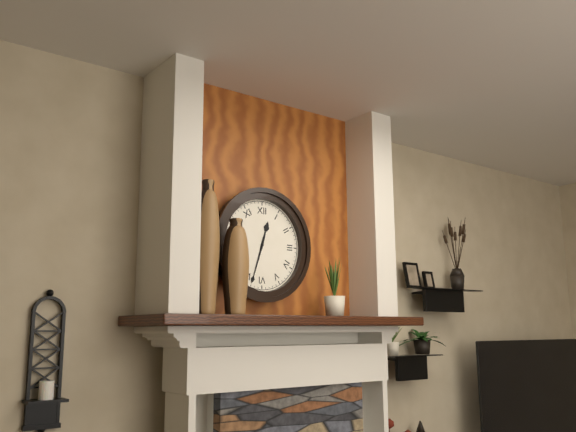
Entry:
h=12 m=33
